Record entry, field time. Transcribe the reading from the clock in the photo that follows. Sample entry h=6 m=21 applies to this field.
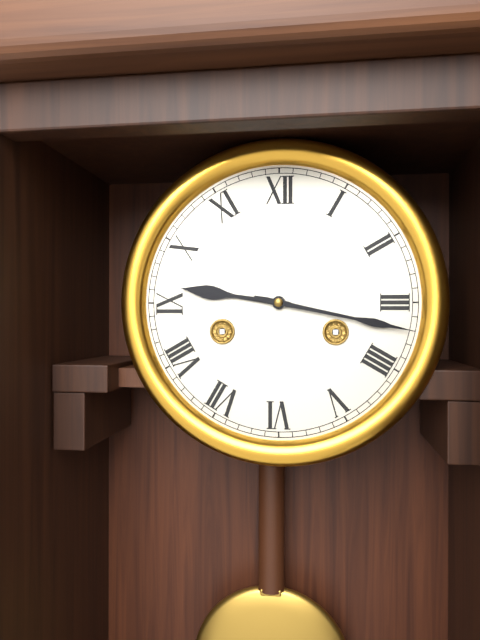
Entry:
h=9 m=17
